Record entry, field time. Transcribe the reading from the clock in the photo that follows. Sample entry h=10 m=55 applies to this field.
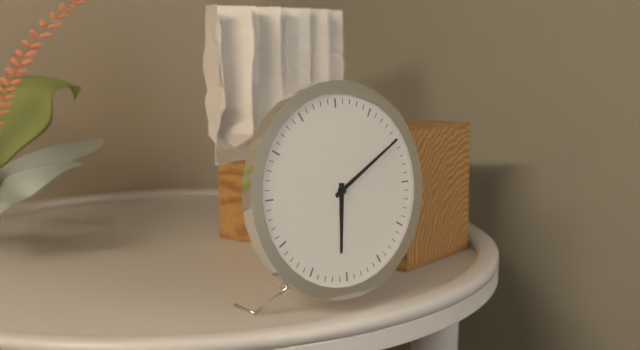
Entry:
h=6 m=10
